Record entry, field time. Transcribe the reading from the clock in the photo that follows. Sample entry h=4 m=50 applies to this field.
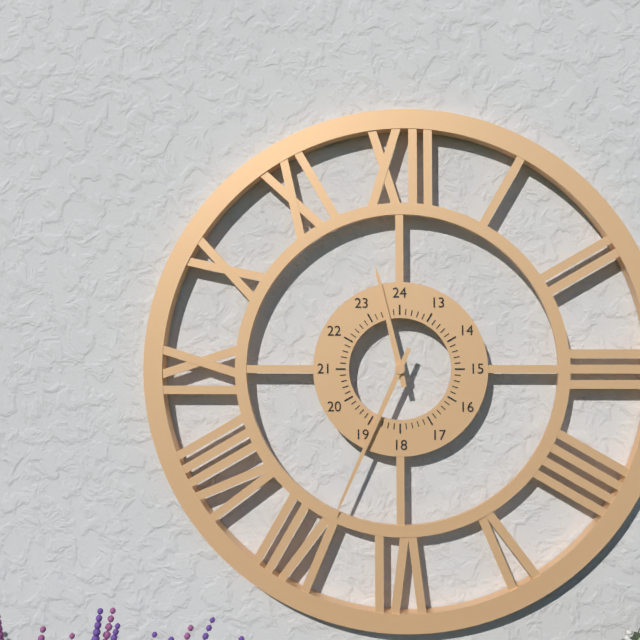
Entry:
h=11 m=34
